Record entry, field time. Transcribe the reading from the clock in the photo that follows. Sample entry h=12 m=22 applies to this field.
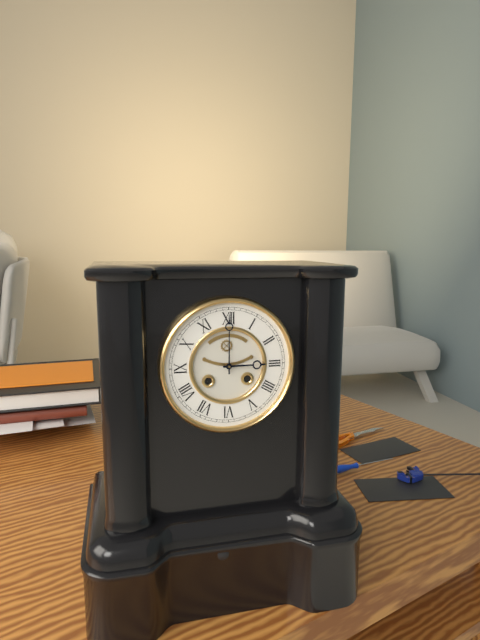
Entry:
h=3 m=0
